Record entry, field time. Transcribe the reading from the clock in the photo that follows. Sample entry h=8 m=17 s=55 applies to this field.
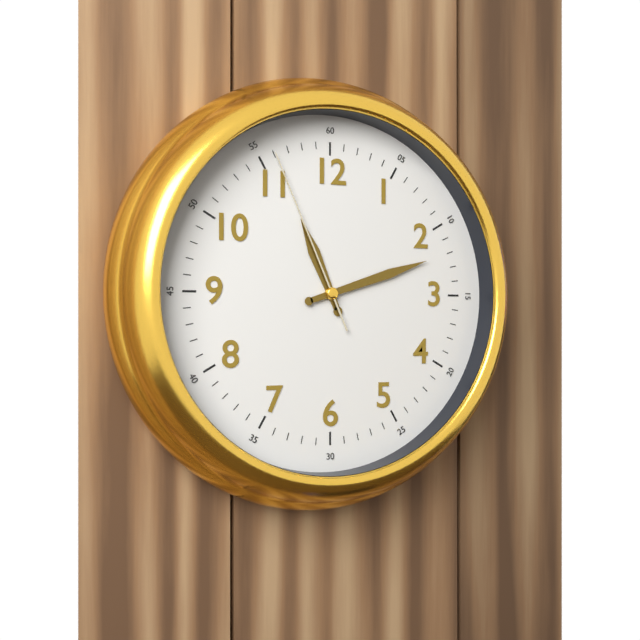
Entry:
h=11 m=12 s=56
